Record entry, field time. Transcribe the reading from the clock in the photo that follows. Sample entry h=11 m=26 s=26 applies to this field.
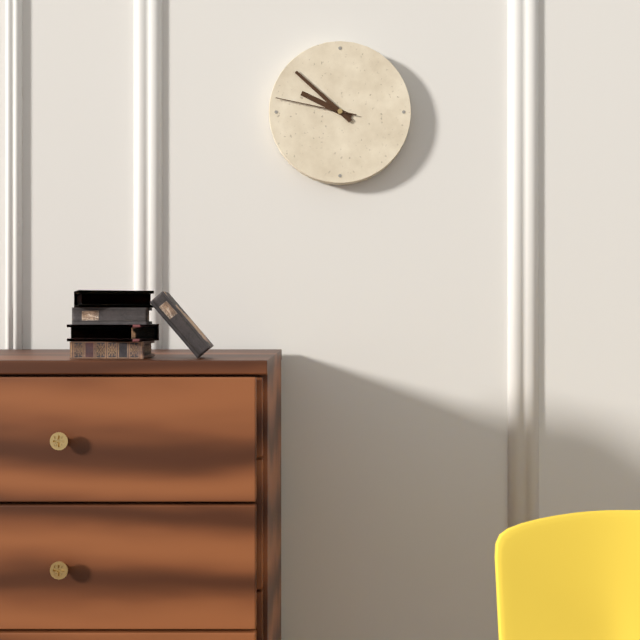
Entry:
h=9 m=52 s=47
